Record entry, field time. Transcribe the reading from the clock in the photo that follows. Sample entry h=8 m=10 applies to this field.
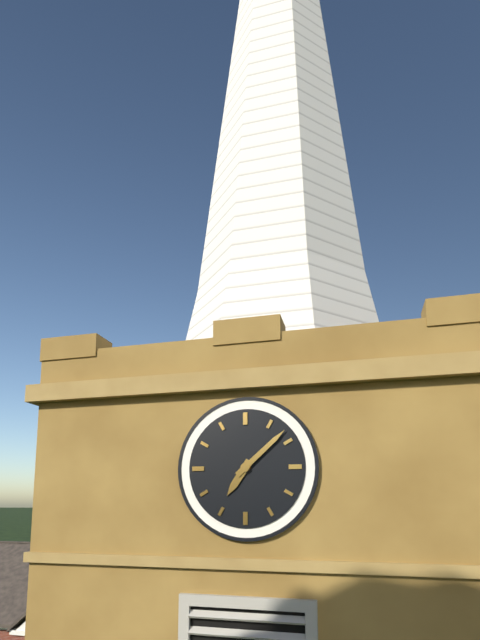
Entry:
h=7 m=8
